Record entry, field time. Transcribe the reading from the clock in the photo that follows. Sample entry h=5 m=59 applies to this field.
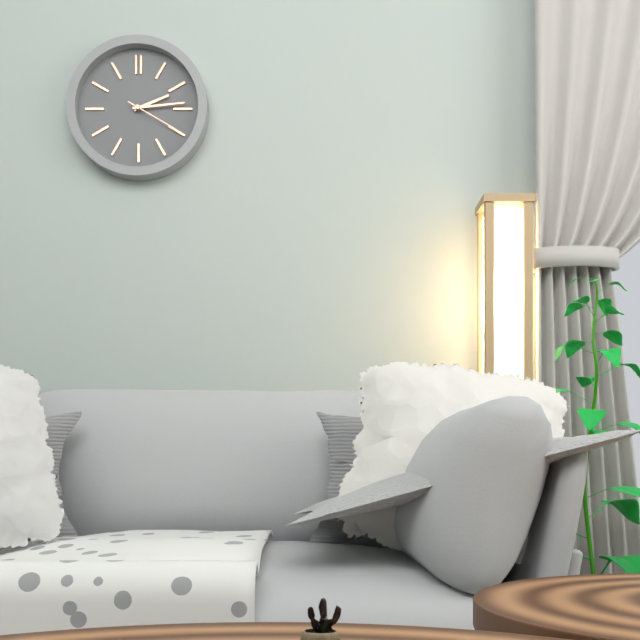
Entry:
h=2 m=14
